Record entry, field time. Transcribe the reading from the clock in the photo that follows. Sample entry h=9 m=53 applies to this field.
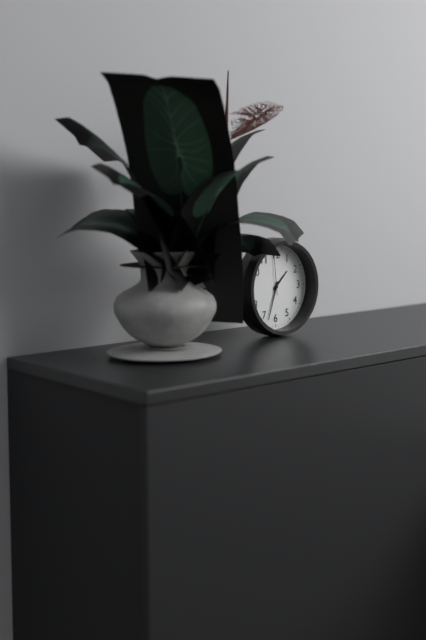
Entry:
h=1 m=33
